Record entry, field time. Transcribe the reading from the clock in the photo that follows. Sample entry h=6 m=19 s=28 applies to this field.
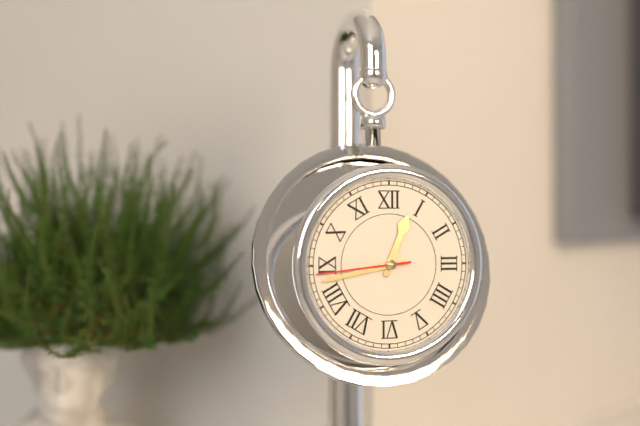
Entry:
h=12 m=43 s=44
